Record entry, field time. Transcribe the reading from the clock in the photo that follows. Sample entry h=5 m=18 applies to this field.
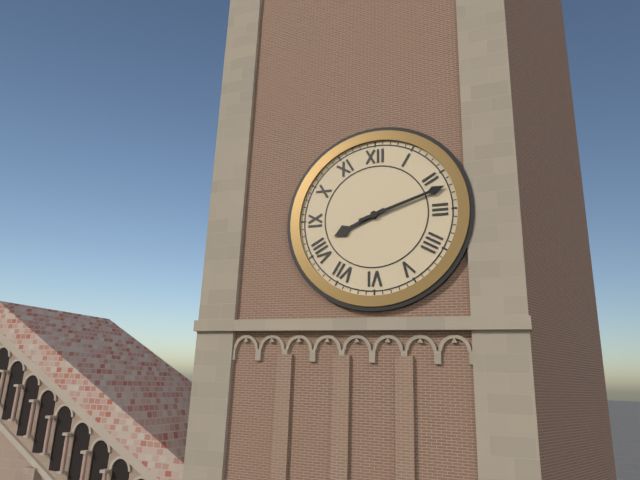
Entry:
h=8 m=12
